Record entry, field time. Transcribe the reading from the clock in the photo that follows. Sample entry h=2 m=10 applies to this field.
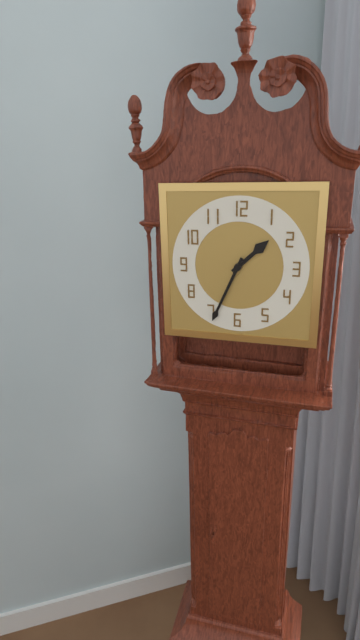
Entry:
h=1 m=34
